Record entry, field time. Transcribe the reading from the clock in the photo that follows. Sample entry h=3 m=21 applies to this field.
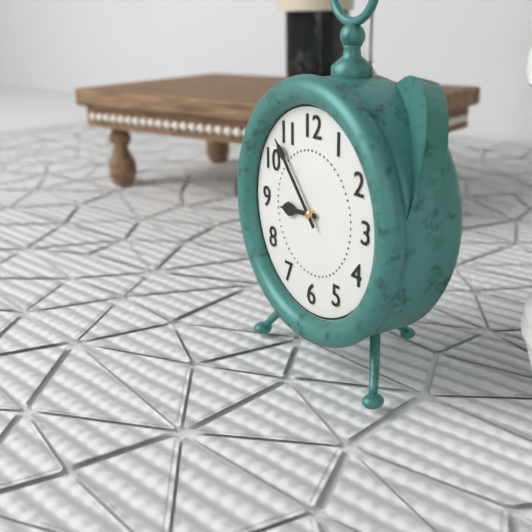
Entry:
h=8 m=53
